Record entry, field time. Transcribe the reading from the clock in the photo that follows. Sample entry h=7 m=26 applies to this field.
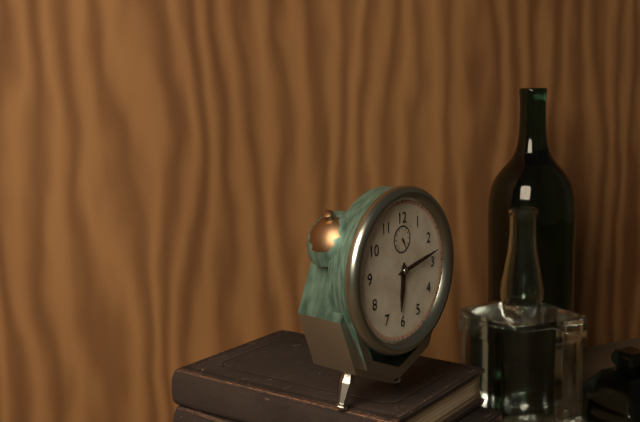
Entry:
h=6 m=13
